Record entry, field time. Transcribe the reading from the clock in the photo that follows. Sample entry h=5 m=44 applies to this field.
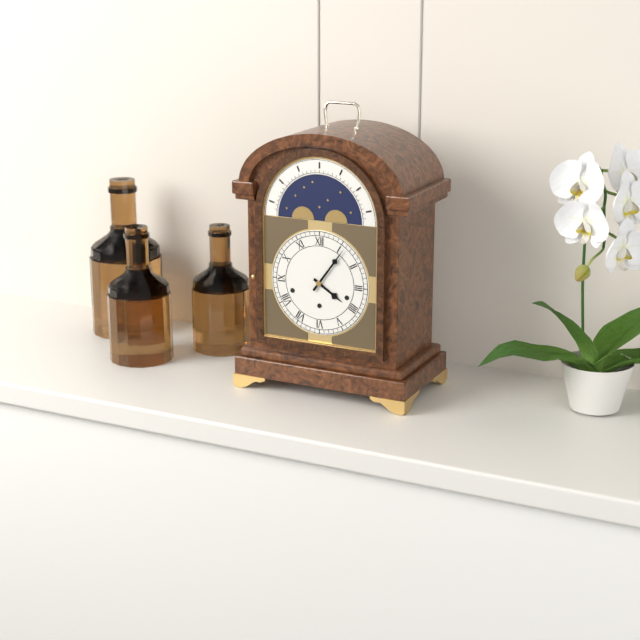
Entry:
h=4 m=6
